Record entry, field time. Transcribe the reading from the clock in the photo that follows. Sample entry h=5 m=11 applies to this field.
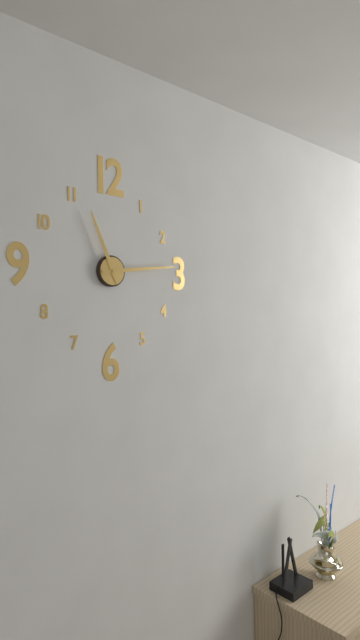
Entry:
h=11 m=14
